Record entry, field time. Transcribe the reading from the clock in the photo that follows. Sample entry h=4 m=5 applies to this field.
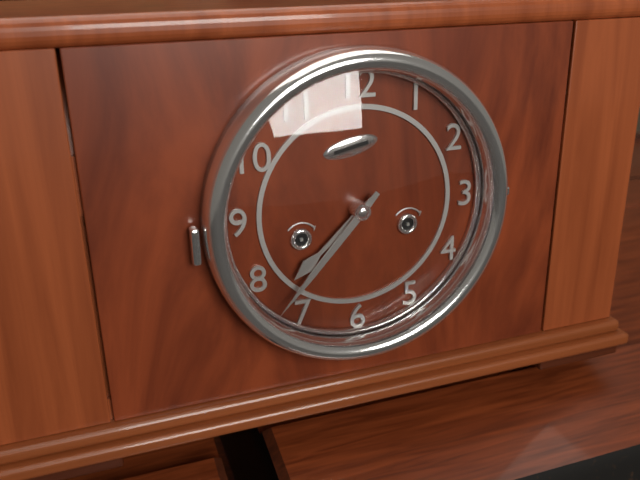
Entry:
h=7 m=37
